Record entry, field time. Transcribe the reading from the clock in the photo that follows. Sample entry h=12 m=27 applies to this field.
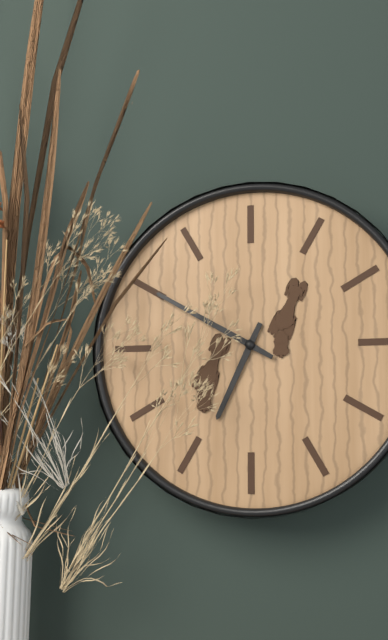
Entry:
h=6 m=50
